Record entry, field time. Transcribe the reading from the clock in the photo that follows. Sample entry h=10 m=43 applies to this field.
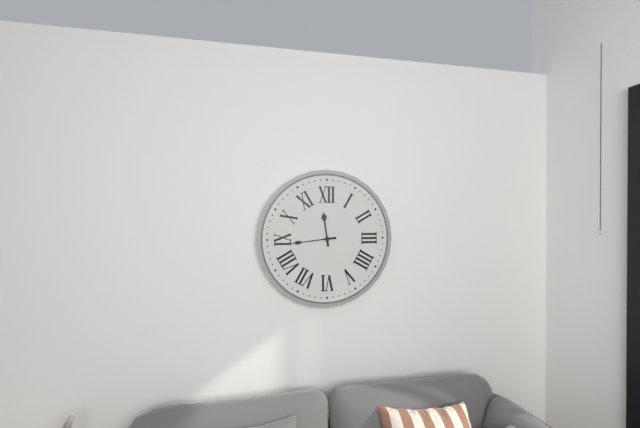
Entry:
h=11 m=44
